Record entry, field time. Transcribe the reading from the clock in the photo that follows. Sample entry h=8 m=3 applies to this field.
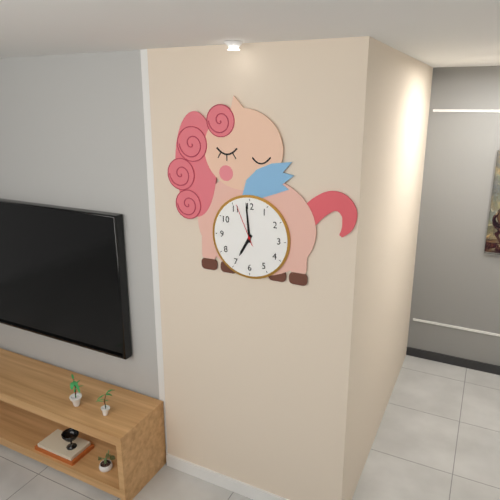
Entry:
h=6 m=59
